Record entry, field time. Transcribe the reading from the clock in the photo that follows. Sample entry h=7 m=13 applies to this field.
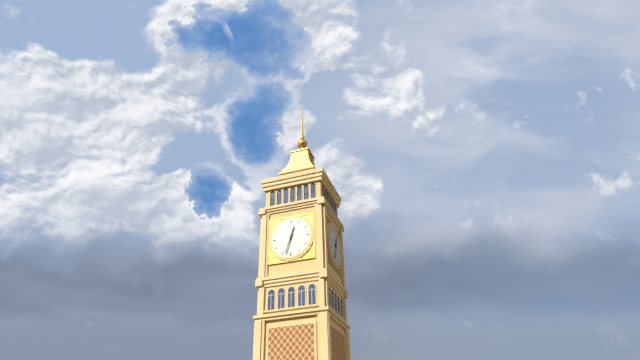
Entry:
h=12 m=33
